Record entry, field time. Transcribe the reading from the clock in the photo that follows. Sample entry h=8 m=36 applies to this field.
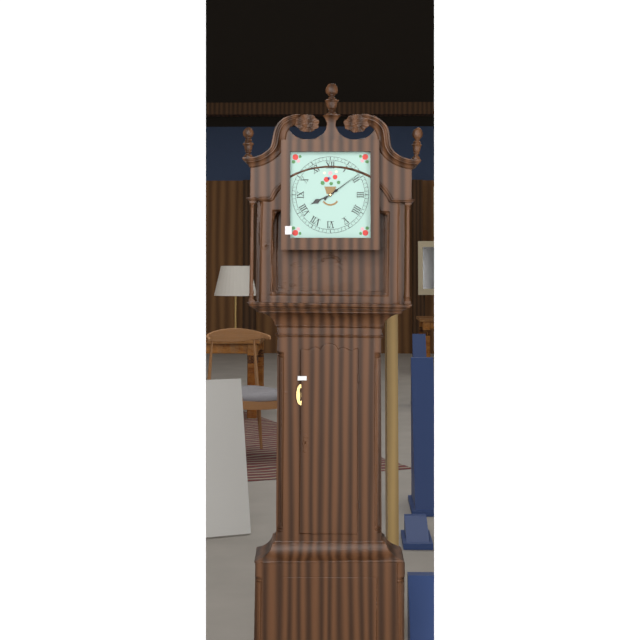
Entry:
h=8 m=9
